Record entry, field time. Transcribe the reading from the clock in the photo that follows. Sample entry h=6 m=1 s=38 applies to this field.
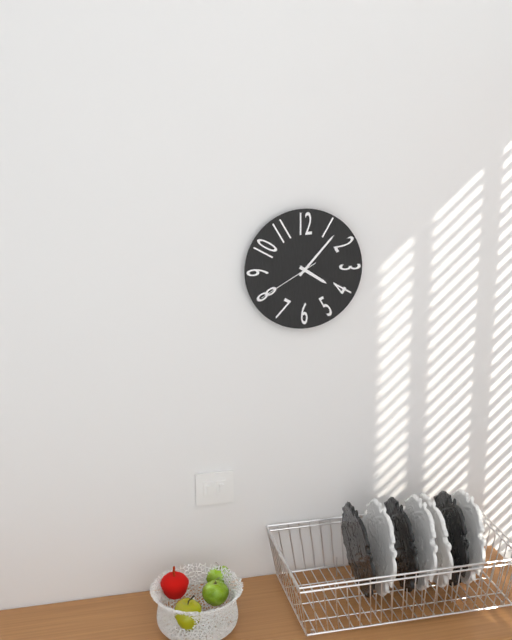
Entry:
h=4 m=7 s=40
